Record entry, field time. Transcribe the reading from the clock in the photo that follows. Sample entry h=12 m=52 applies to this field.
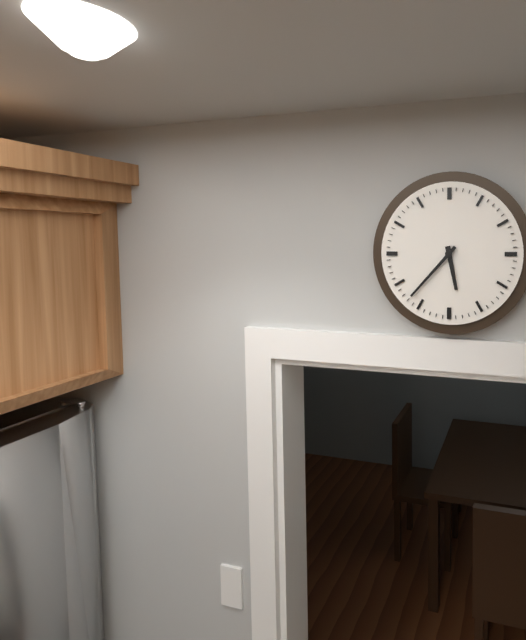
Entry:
h=5 m=37
